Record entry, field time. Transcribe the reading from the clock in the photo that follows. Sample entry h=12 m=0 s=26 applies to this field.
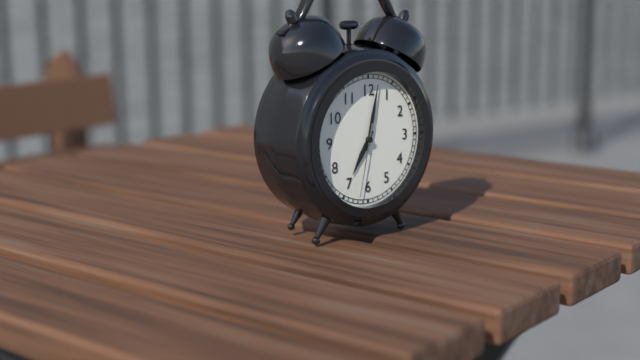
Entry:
h=7 m=2 s=32
